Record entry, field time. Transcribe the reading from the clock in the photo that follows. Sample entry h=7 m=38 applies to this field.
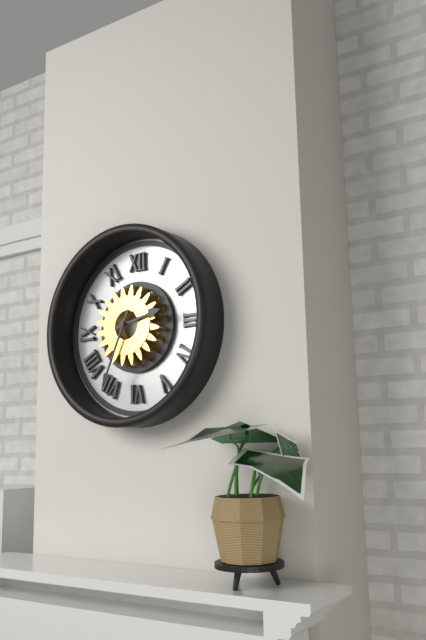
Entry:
h=2 m=34
